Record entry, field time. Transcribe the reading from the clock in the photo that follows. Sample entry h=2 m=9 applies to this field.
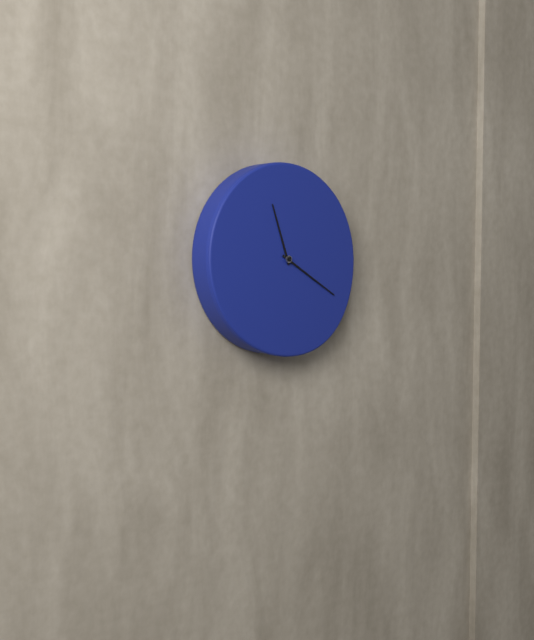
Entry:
h=11 m=20
